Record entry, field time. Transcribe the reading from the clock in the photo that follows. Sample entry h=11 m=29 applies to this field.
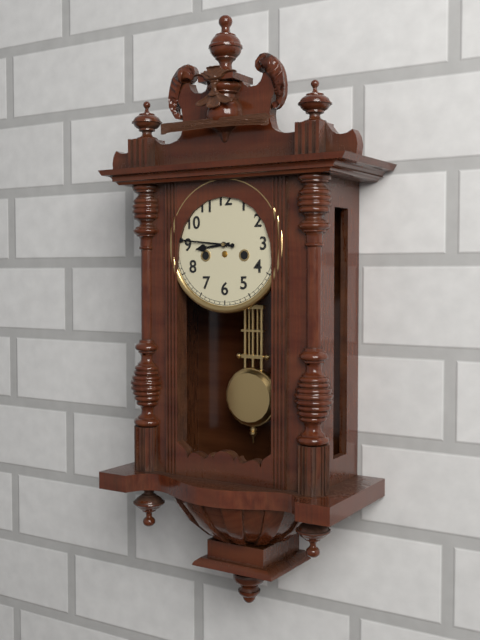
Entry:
h=8 m=46
